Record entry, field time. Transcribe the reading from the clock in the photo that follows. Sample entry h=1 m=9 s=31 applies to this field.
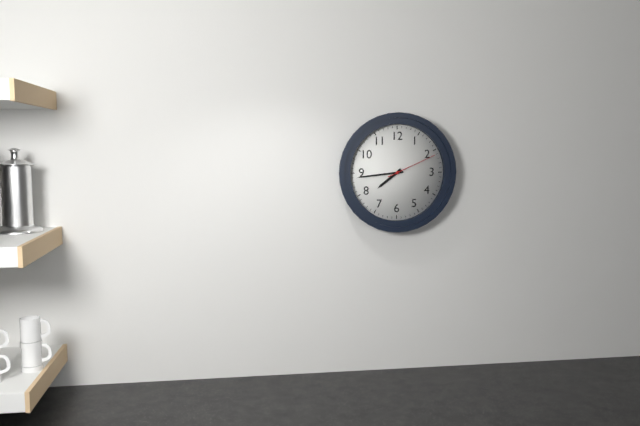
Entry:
h=7 m=44 s=11
